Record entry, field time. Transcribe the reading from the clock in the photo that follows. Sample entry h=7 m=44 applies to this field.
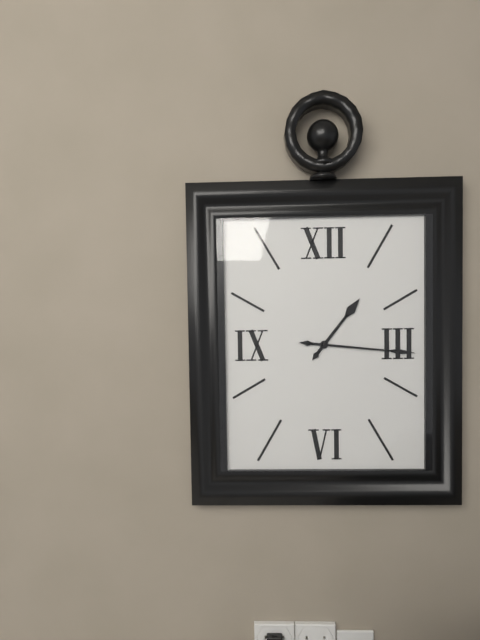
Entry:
h=1 m=16
